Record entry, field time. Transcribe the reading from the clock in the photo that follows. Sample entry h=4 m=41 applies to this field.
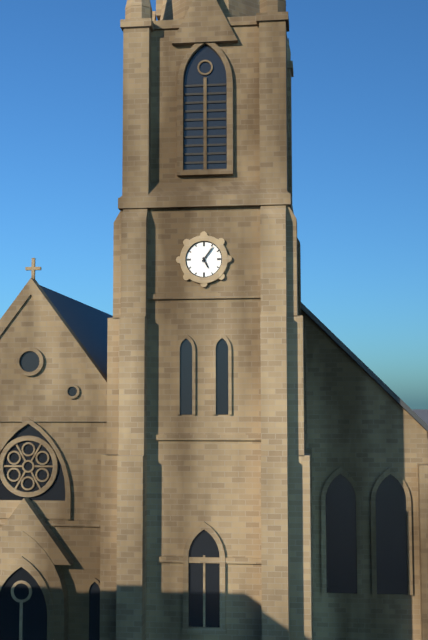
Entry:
h=5 m=6
